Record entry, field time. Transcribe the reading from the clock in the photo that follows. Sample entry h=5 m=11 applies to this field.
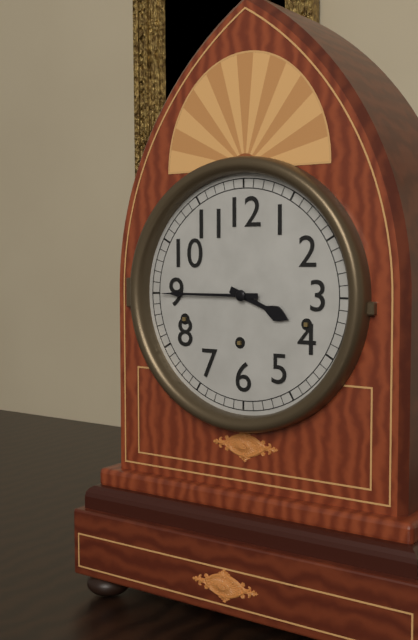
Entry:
h=3 m=45
